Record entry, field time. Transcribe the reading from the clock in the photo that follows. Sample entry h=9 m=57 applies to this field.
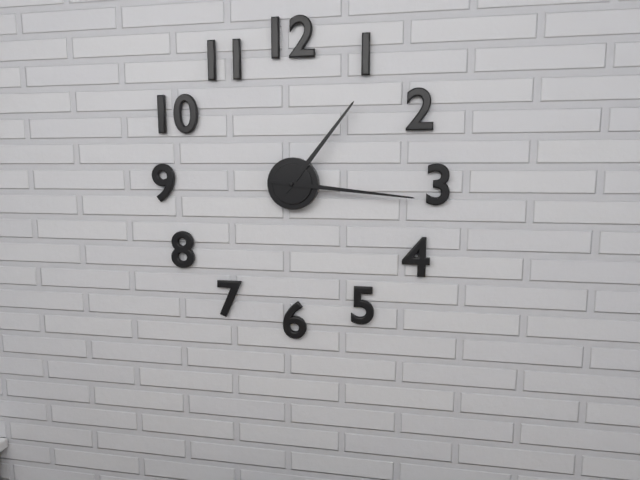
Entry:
h=1 m=16
